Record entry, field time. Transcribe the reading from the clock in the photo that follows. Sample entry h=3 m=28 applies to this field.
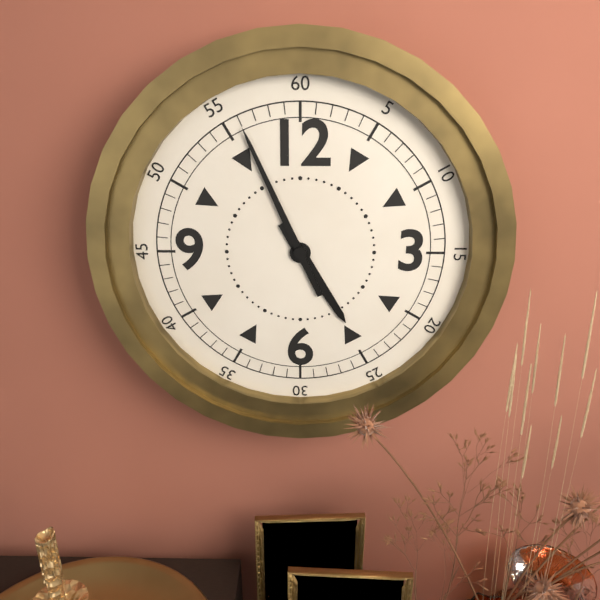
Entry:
h=4 m=56
